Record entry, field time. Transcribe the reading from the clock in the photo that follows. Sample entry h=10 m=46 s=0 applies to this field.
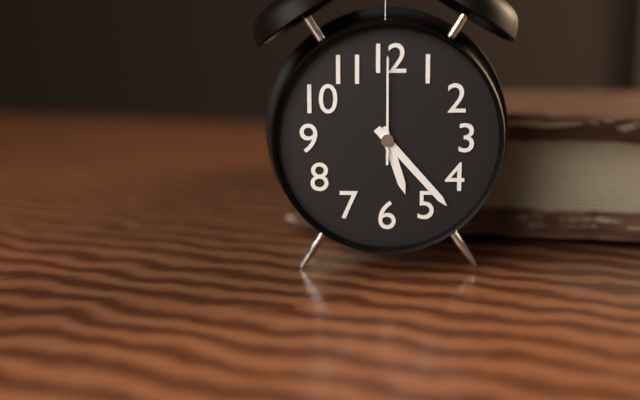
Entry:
h=5 m=23 s=0
